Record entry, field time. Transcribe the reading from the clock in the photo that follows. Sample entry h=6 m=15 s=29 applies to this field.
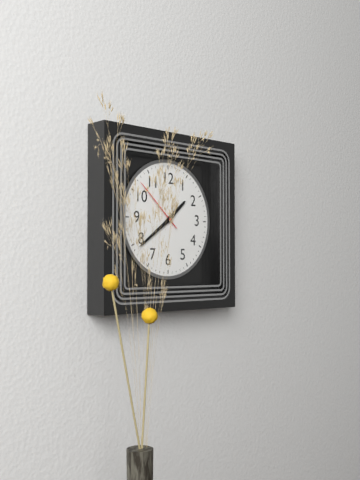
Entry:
h=1 m=39 s=52
